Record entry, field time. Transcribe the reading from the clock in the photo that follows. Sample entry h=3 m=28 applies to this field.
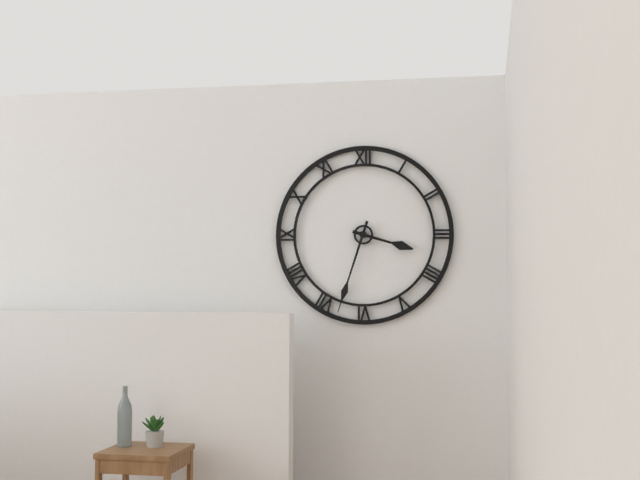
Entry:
h=3 m=33
